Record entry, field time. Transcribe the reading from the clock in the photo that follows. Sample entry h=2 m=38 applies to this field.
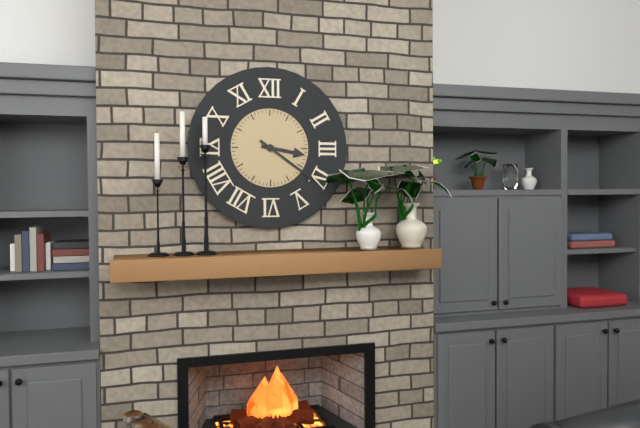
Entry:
h=3 m=21
